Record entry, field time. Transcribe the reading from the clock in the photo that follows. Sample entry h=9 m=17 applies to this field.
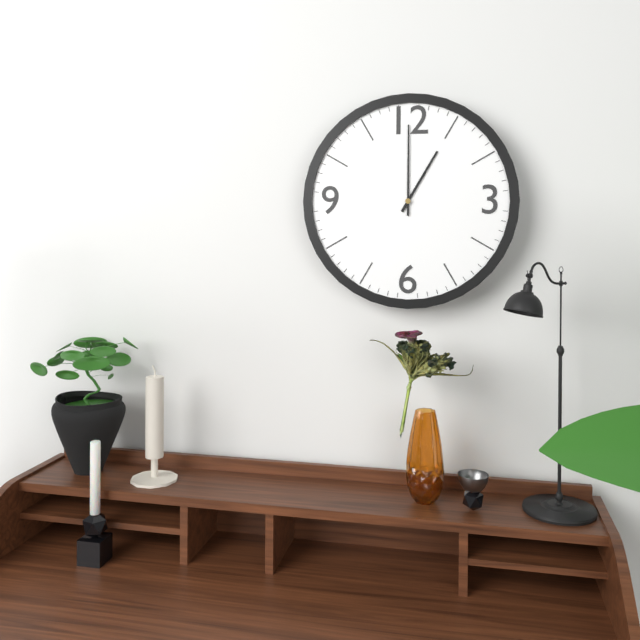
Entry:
h=1 m=0
